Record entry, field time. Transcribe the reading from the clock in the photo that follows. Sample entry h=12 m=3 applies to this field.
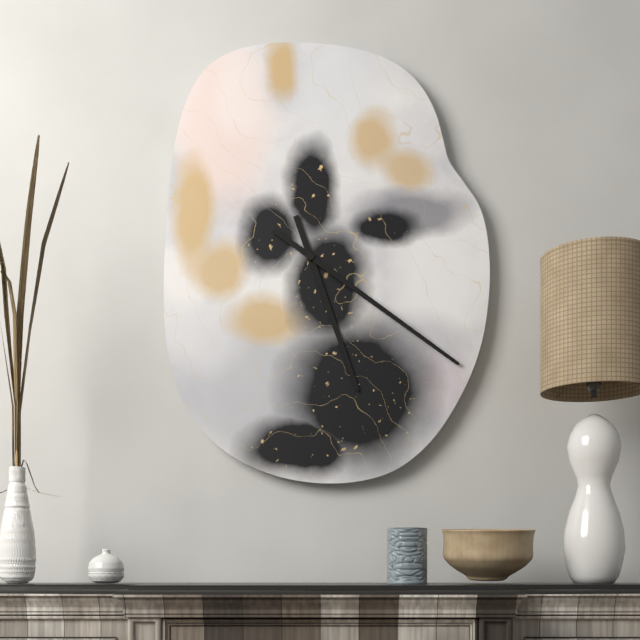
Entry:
h=5 m=21
